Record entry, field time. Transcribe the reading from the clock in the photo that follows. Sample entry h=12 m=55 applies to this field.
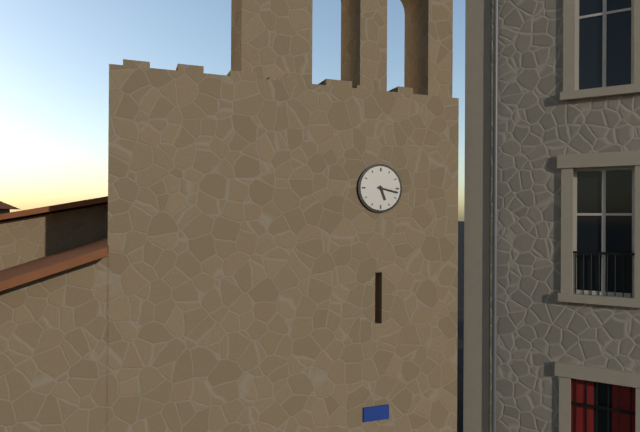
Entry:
h=5 m=17
